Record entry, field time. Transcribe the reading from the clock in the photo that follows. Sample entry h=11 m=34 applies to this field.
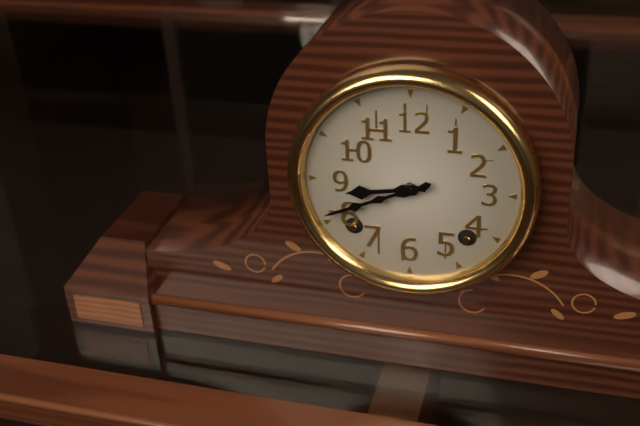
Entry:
h=8 m=41
